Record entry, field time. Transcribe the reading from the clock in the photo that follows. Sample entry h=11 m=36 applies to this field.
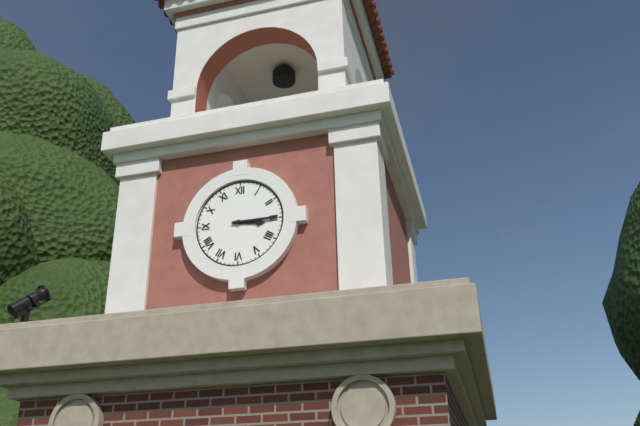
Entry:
h=3 m=15
